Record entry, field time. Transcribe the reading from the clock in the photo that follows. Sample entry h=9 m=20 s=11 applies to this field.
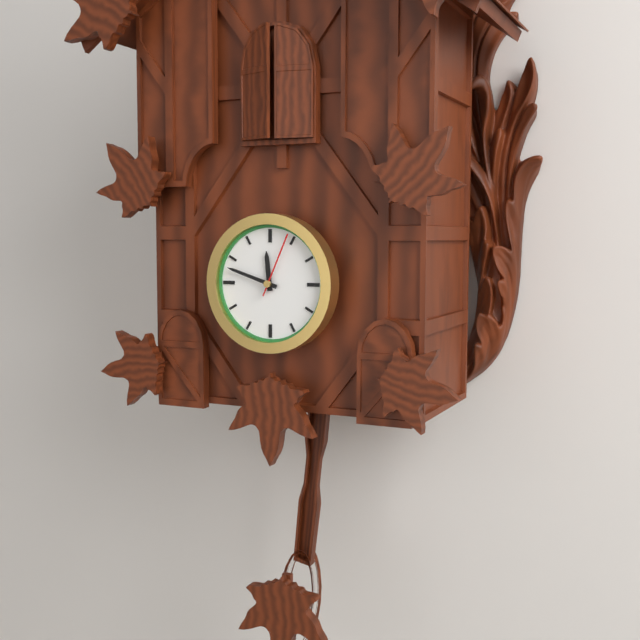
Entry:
h=11 m=48 s=4
